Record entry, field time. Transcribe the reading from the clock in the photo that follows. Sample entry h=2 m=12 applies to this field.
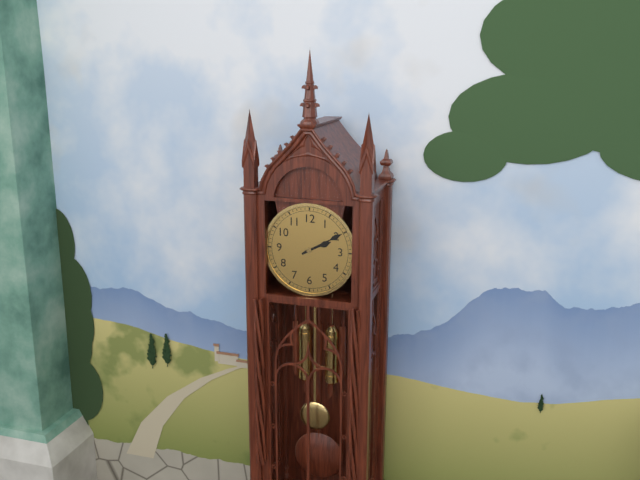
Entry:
h=2 m=10
